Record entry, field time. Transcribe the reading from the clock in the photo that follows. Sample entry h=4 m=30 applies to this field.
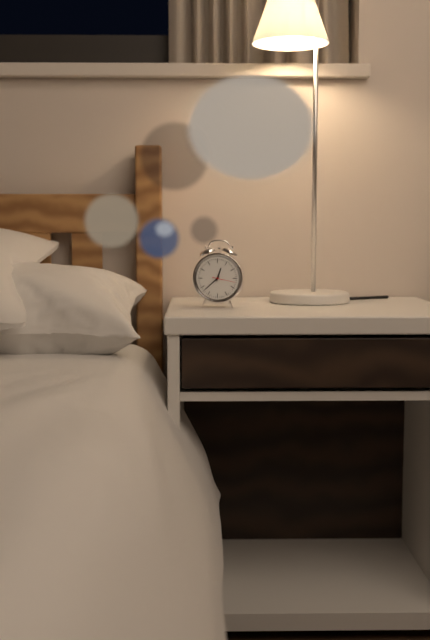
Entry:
h=12 m=38
